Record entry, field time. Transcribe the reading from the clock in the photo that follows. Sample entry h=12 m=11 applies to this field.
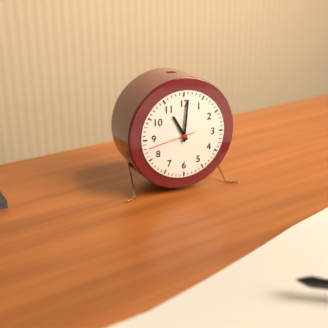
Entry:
h=11 m=1
